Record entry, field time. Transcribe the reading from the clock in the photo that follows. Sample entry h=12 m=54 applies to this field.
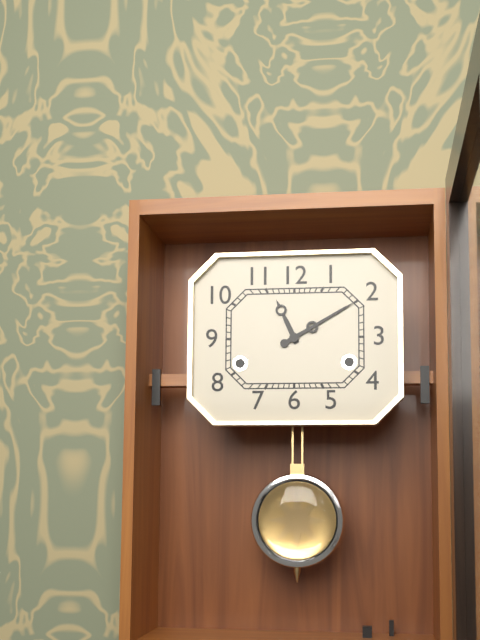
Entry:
h=11 m=10
